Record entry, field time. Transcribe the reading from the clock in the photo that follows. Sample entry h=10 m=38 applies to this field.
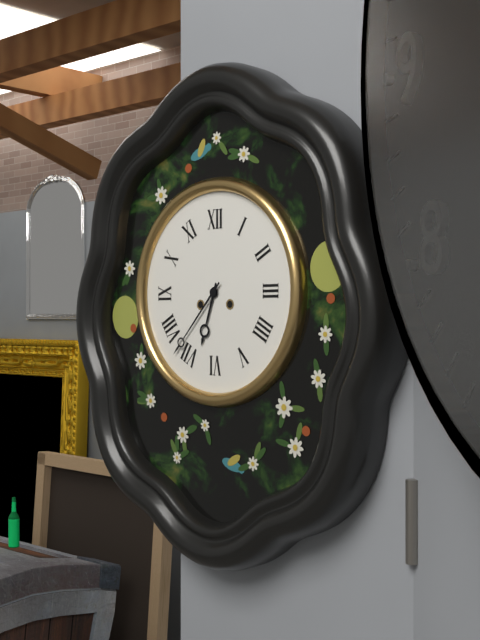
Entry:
h=6 m=37
